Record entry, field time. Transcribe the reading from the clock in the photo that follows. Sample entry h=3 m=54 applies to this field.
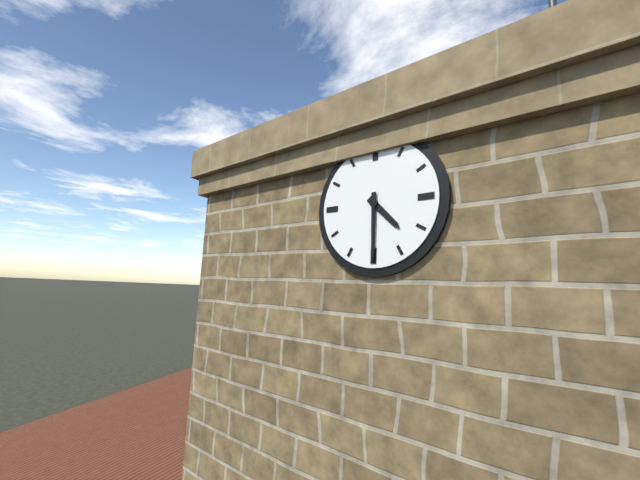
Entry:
h=4 m=30
